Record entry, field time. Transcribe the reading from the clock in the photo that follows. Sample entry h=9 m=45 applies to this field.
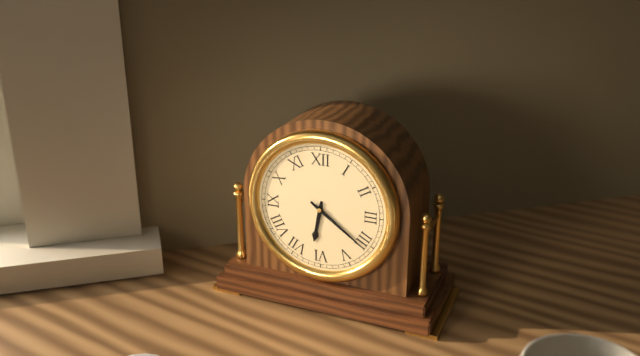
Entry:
h=6 m=21
